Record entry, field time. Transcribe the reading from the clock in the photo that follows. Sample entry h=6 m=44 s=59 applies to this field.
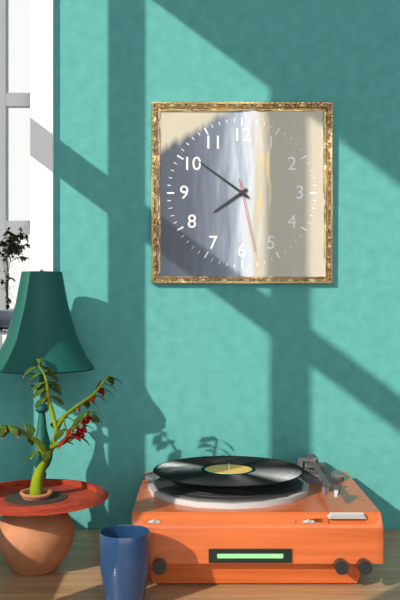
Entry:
h=7 m=51 s=28
